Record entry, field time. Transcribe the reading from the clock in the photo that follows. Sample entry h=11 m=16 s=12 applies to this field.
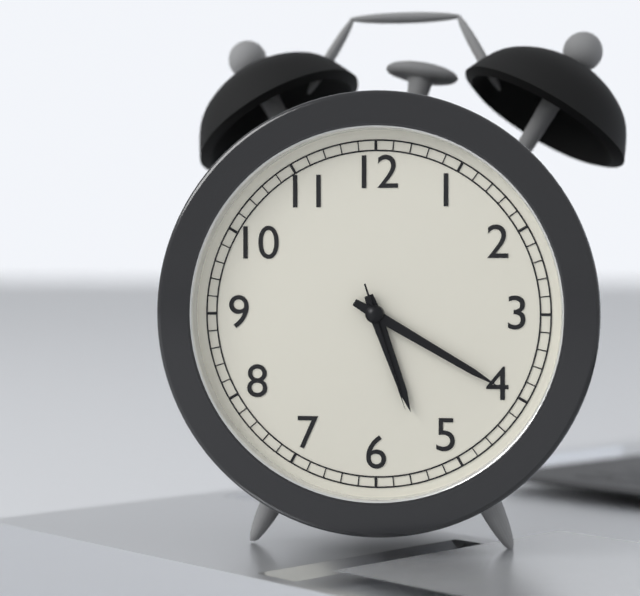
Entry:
h=5 m=20 s=27
